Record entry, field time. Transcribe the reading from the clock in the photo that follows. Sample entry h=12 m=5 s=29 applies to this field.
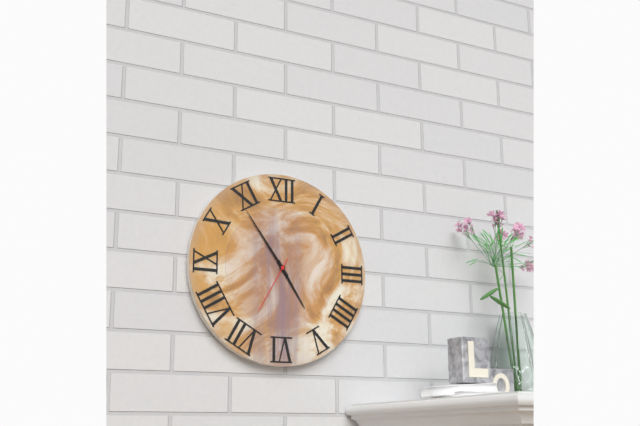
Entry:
h=4 m=54 s=35
